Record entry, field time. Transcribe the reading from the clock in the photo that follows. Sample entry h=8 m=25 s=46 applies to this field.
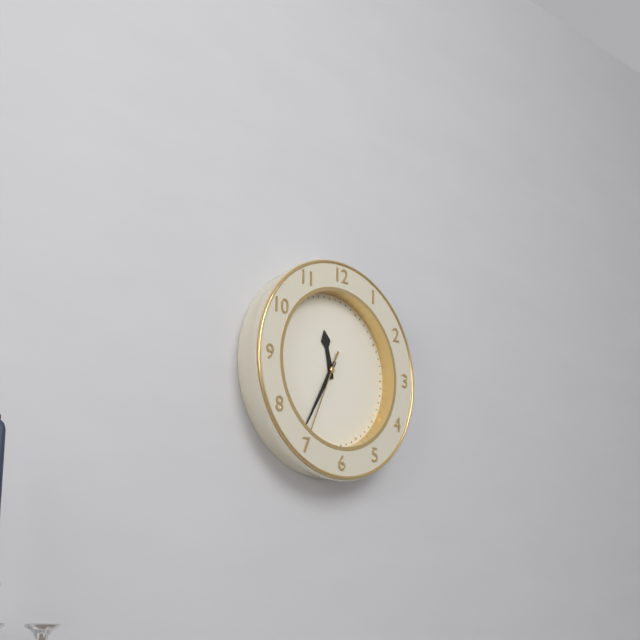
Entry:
h=11 m=35 s=34
